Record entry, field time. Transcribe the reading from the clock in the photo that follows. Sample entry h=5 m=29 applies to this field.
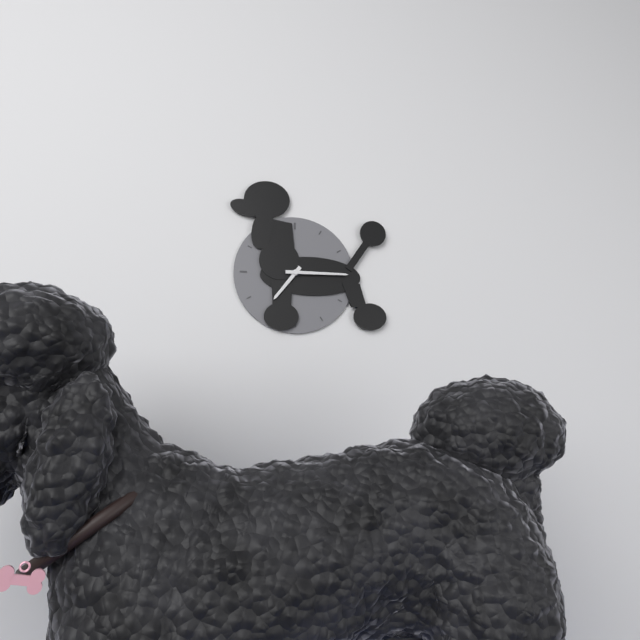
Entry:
h=7 m=15
